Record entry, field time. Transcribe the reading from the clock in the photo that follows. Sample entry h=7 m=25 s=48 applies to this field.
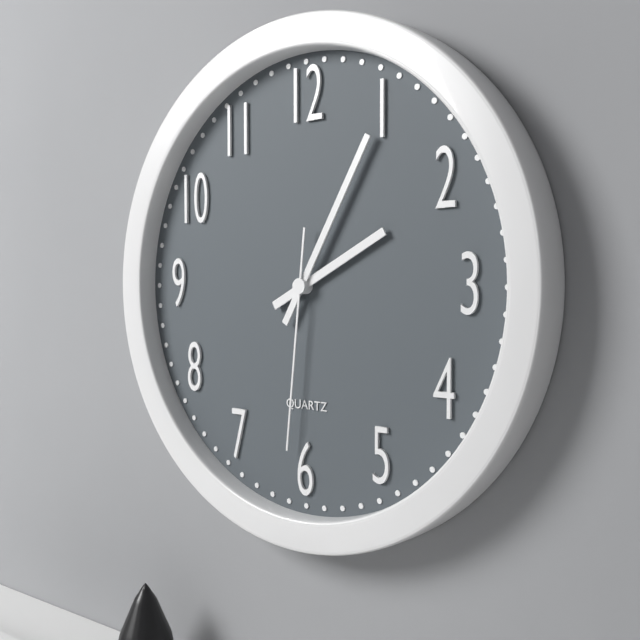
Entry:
h=2 m=5 s=31
